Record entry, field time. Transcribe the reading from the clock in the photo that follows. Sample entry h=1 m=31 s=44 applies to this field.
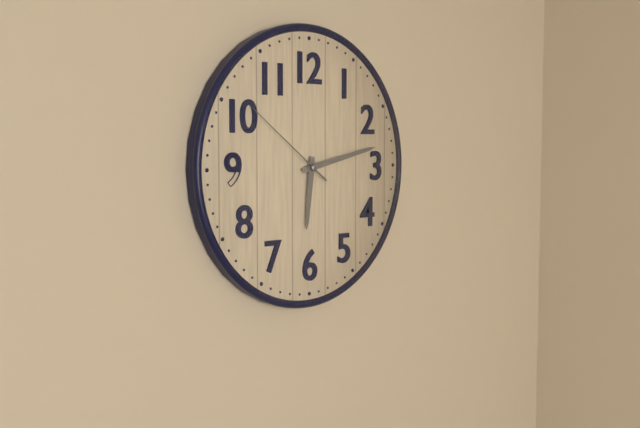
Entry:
h=6 m=13 s=51
